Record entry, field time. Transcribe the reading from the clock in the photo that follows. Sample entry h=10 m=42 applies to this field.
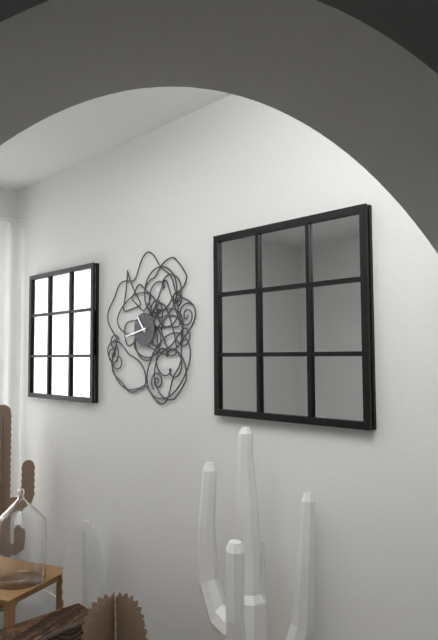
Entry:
h=10 m=43
